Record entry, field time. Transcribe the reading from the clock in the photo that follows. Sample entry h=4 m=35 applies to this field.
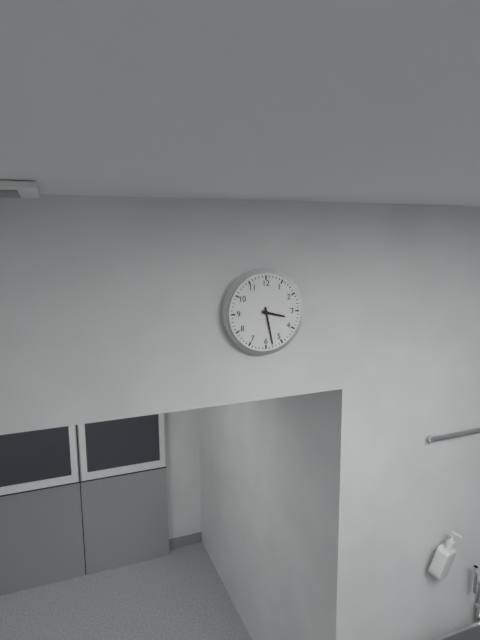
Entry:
h=3 m=28
